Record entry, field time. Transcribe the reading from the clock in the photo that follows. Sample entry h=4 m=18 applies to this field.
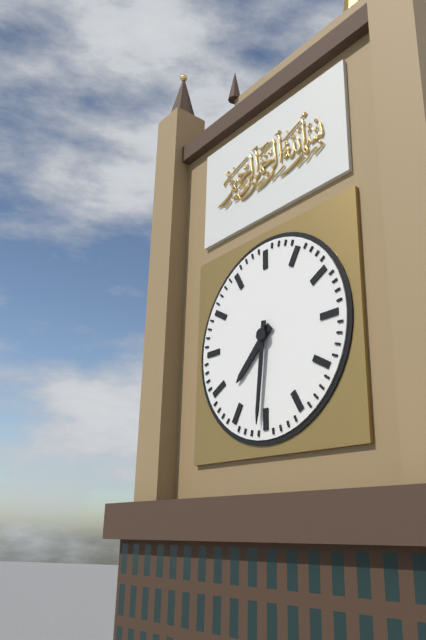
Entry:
h=7 m=31
